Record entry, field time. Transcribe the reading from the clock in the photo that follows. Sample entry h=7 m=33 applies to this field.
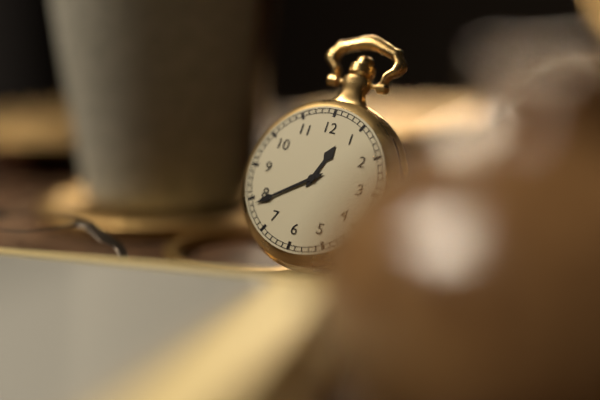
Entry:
h=12 m=39
